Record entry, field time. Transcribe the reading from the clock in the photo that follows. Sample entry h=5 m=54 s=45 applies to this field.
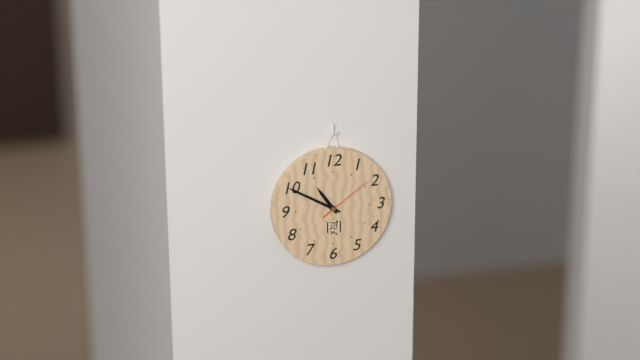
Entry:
h=10 m=50 s=9
